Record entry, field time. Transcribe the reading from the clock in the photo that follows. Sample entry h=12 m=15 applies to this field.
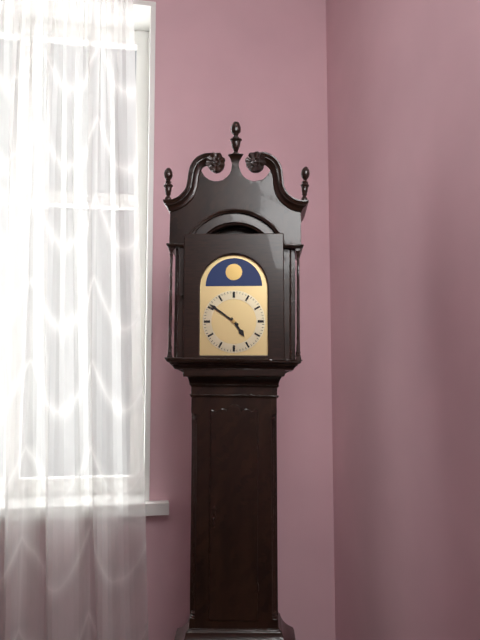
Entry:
h=4 m=51
